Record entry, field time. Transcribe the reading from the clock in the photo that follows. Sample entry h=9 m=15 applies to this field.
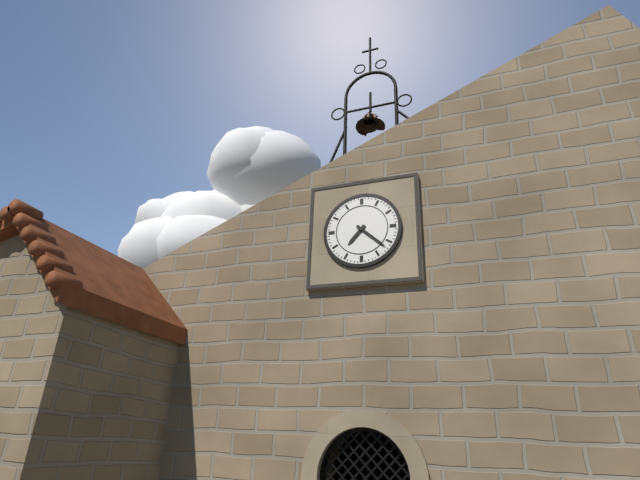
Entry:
h=7 m=22
